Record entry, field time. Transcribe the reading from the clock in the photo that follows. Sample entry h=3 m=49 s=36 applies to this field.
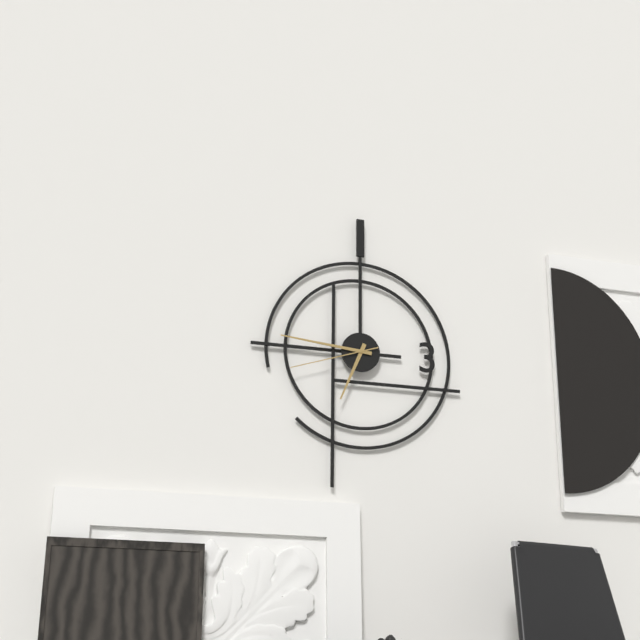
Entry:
h=6 m=46 s=42
